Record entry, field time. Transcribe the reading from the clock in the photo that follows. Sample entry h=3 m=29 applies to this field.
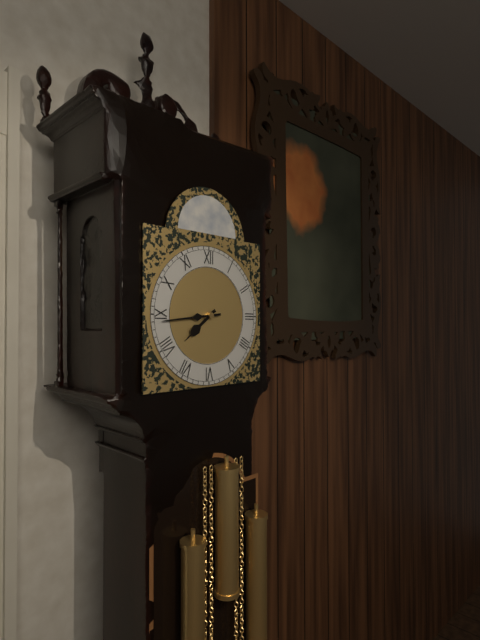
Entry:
h=7 m=44
